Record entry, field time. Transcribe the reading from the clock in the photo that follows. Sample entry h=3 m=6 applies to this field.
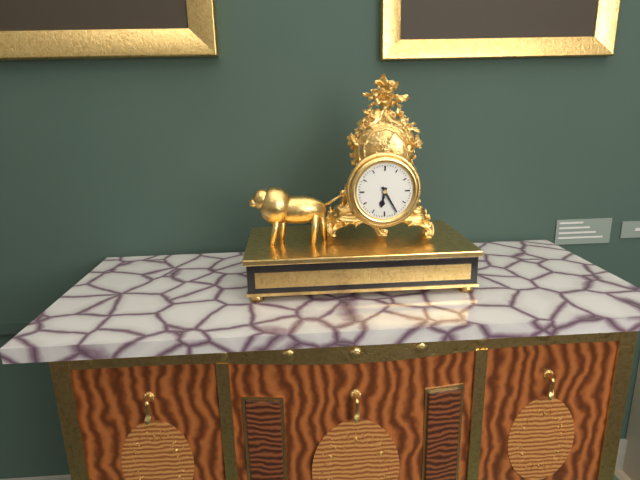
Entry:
h=6 m=25
